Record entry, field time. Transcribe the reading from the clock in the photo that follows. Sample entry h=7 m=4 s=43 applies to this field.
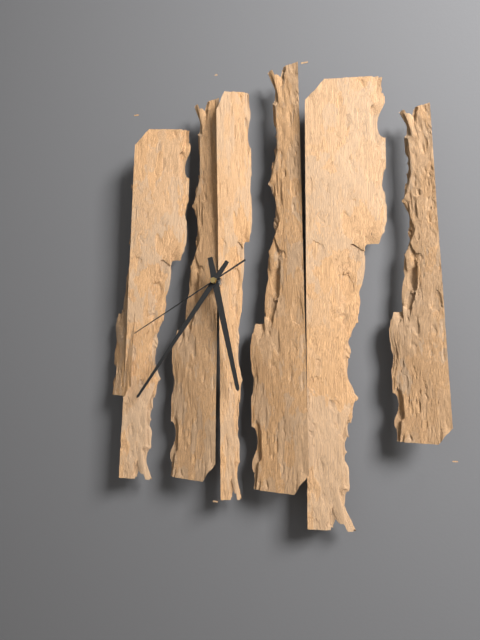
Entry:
h=5 m=36 s=40
